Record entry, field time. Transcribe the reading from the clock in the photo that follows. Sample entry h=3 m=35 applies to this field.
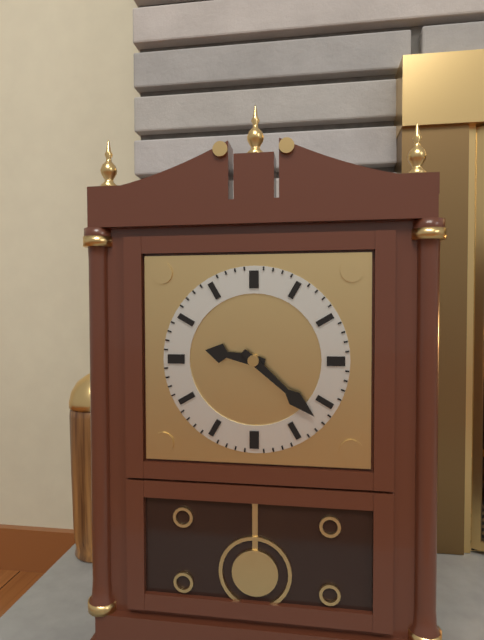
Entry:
h=9 m=22
